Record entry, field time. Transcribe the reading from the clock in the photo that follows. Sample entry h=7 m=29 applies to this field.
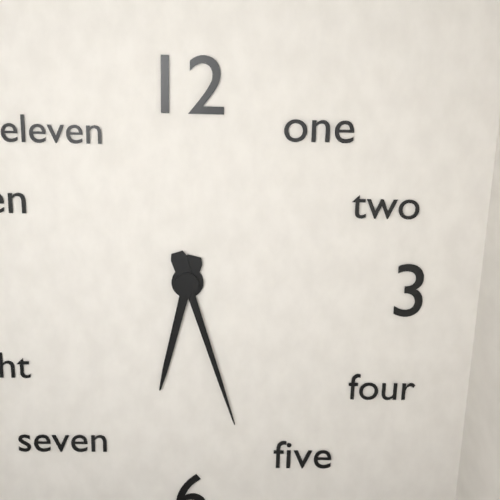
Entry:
h=6 m=27
